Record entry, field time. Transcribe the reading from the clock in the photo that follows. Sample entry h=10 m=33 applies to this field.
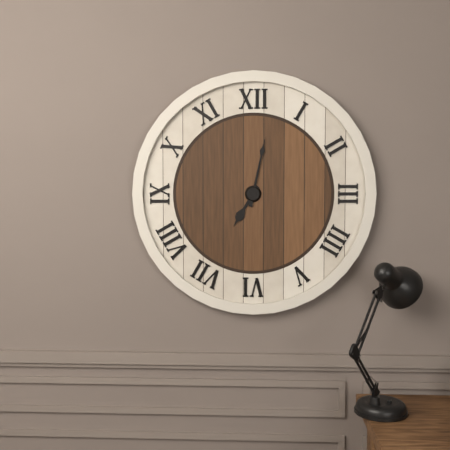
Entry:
h=7 m=2
